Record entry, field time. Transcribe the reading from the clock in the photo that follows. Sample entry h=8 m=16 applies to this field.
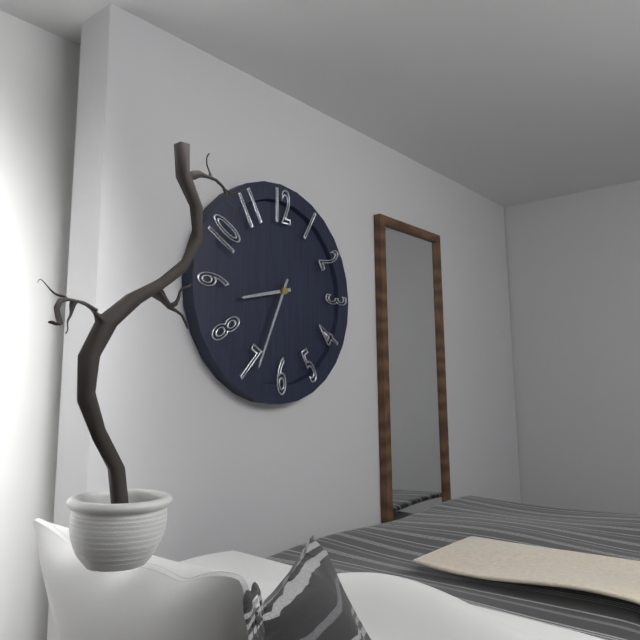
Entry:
h=8 m=34
